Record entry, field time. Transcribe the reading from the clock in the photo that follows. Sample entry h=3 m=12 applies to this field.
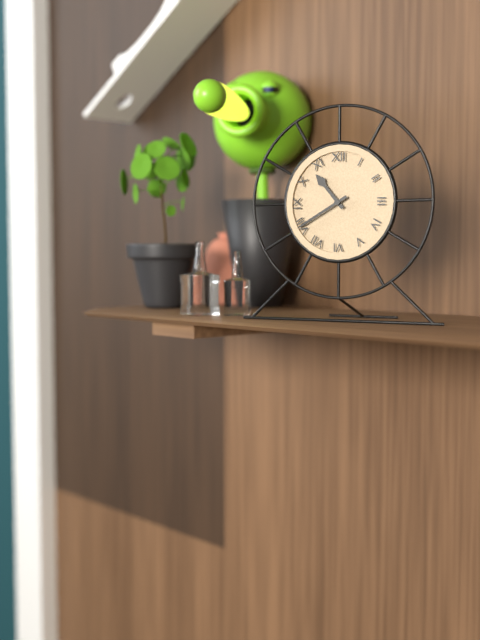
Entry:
h=10 m=40
